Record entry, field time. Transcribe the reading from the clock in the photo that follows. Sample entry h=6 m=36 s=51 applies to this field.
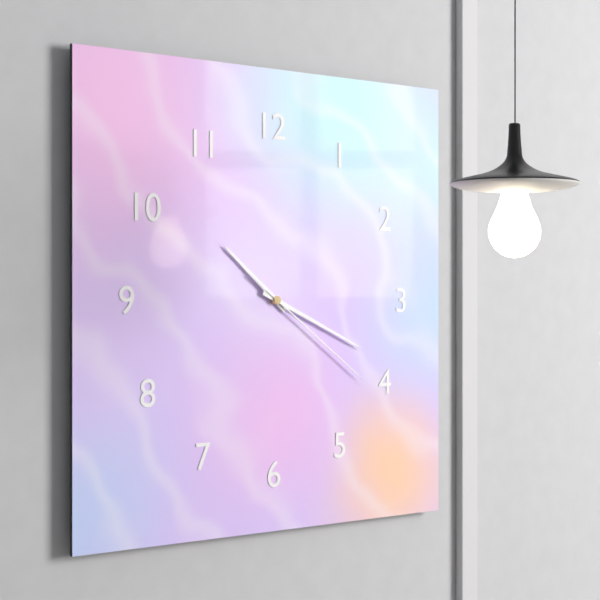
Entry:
h=10 m=19 s=21
